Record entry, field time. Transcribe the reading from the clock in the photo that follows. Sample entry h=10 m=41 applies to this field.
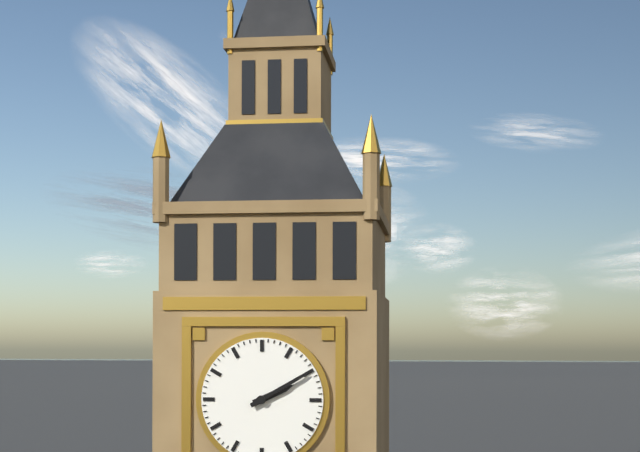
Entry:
h=2 m=10
